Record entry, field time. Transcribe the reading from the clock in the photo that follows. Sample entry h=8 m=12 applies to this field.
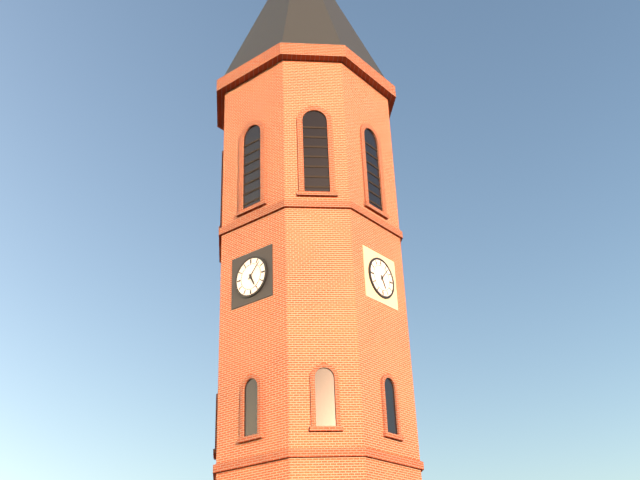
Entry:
h=5 m=7
